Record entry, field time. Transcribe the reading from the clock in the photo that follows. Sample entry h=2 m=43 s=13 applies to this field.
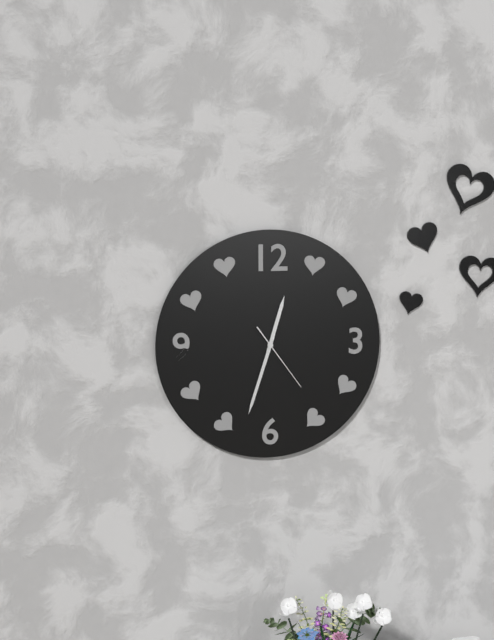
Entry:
h=12 m=33 s=24
